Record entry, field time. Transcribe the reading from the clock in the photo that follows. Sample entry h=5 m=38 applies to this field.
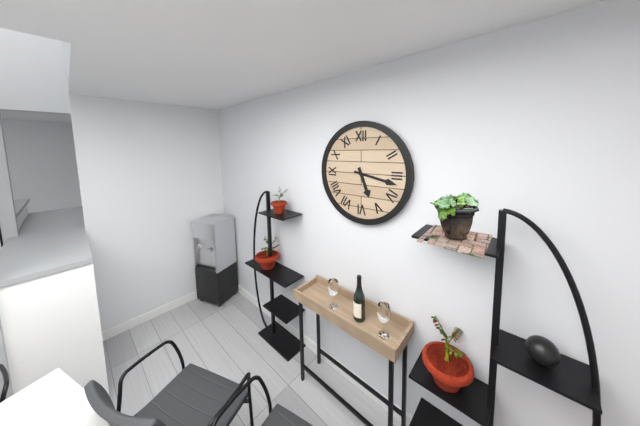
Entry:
h=5 m=17
